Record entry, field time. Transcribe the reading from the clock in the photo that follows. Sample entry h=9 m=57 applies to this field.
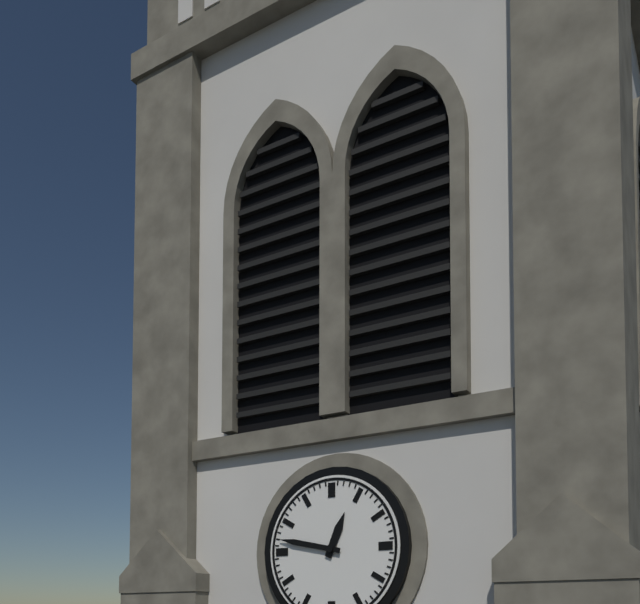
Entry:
h=12 m=47
